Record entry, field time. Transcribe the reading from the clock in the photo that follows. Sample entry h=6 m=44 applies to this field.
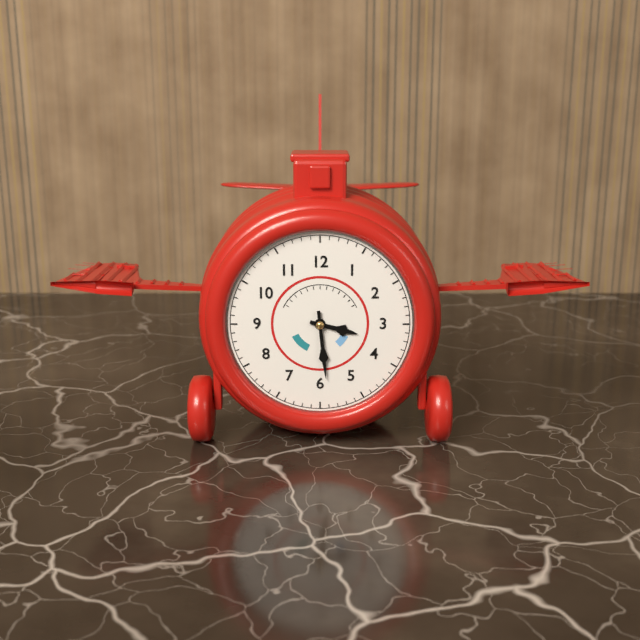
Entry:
h=3 m=29
